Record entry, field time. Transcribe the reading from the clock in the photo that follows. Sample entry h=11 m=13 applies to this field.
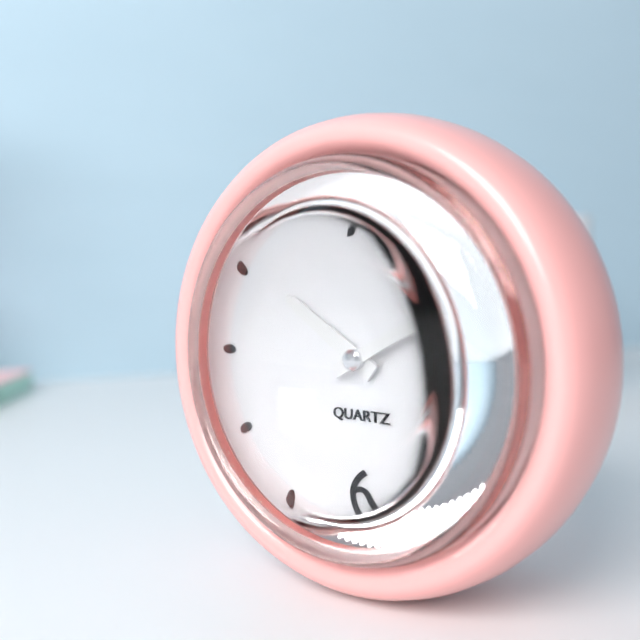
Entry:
h=10 m=10
